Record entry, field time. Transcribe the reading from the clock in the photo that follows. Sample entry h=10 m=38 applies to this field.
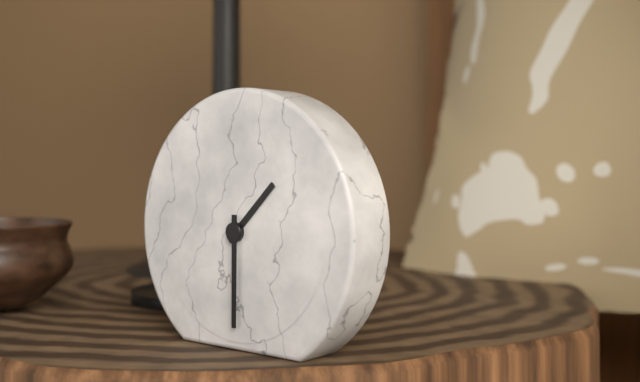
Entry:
h=1 m=30
